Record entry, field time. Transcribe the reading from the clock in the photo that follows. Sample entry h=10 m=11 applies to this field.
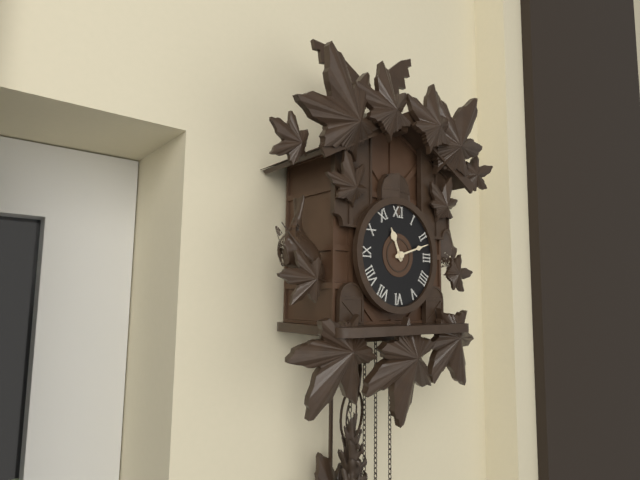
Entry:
h=11 m=12
